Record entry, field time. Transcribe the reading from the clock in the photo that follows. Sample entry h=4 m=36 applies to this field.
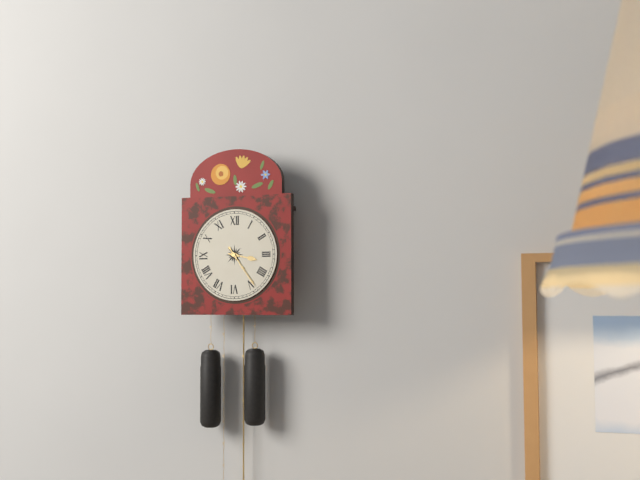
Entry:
h=3 m=24
